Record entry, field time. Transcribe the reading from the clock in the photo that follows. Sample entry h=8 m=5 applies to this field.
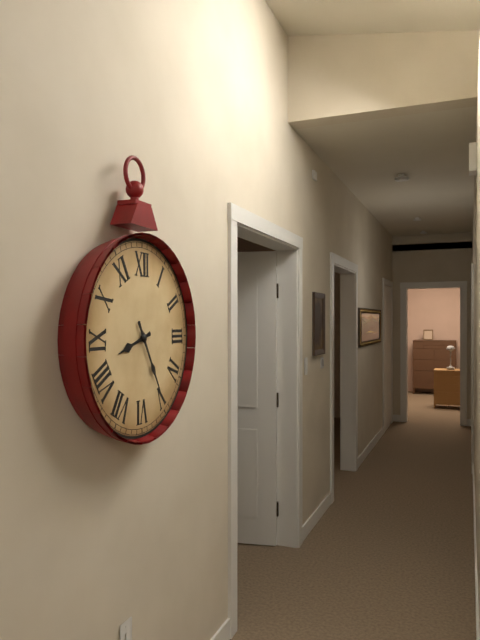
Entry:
h=8 m=25
